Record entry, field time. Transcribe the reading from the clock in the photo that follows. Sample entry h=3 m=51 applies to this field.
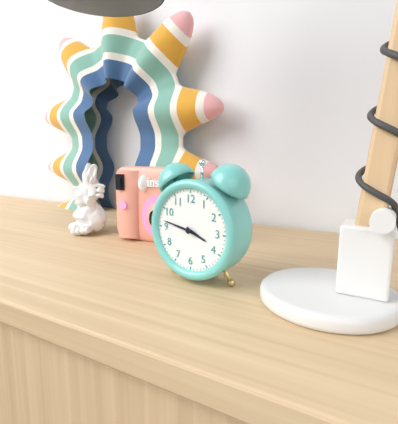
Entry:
h=3 m=47
